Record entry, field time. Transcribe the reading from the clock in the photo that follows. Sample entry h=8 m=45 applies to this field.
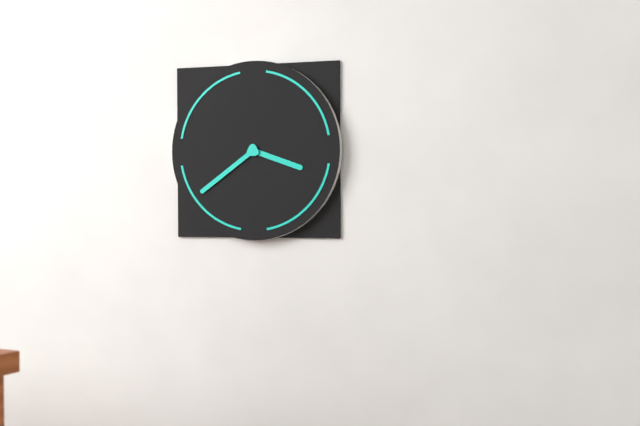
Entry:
h=3 m=39
